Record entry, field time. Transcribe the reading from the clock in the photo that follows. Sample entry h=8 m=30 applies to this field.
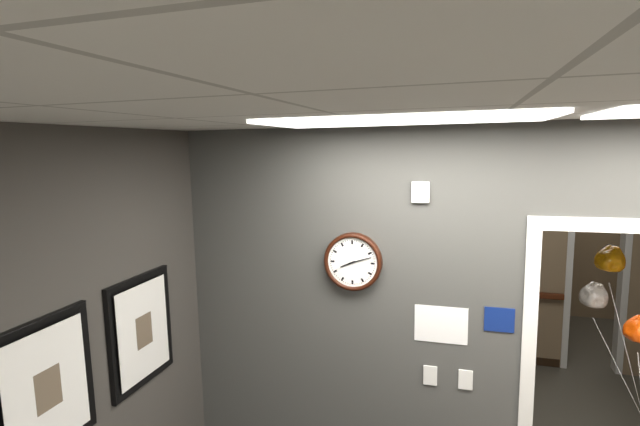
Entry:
h=8 m=12
